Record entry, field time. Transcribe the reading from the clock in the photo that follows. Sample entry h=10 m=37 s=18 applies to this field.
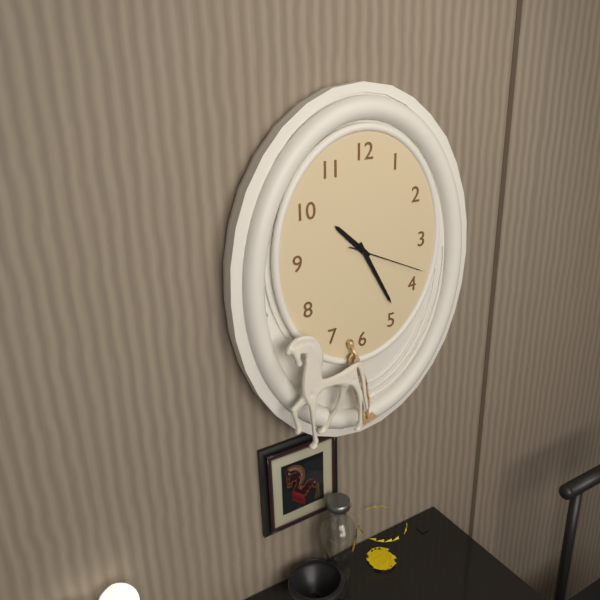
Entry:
h=10 m=25 s=19
